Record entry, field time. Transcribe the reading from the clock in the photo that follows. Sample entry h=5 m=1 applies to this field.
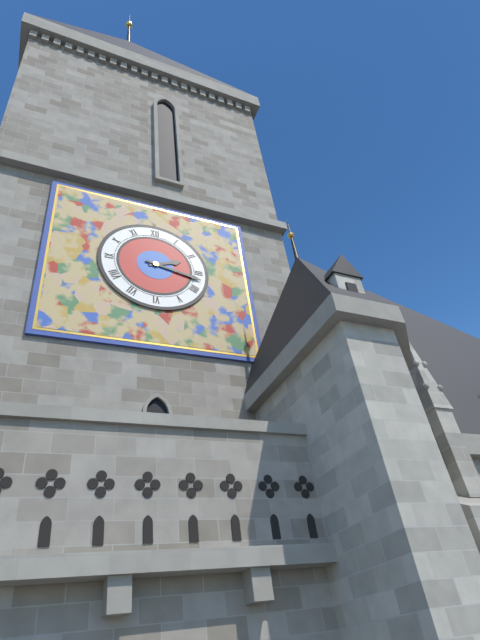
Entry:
h=2 m=17
